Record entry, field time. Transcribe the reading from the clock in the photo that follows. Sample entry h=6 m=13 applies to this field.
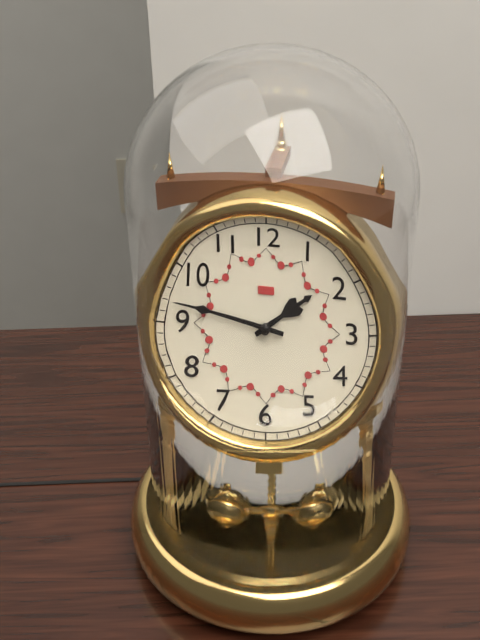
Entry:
h=1 m=47
